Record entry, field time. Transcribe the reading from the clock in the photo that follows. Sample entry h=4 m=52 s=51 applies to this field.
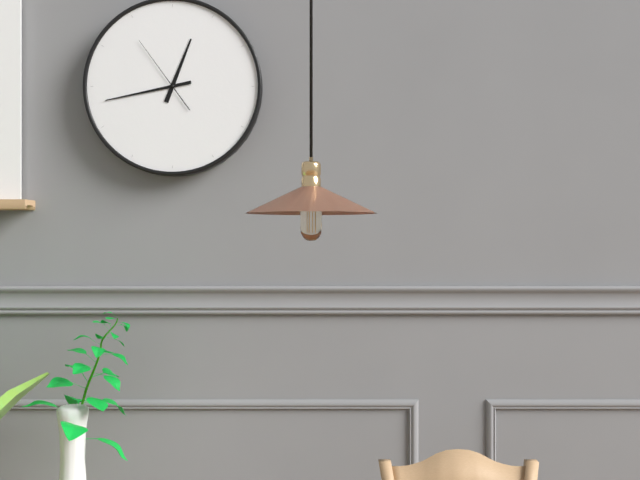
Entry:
h=12 m=43 s=54
